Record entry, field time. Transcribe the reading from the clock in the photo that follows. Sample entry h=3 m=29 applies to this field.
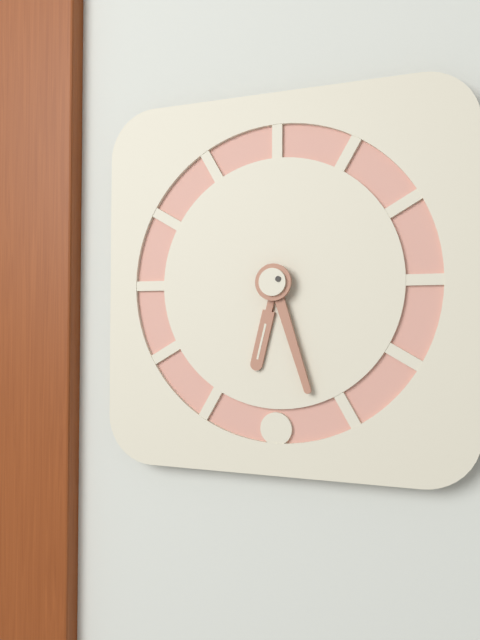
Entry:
h=6 m=27
